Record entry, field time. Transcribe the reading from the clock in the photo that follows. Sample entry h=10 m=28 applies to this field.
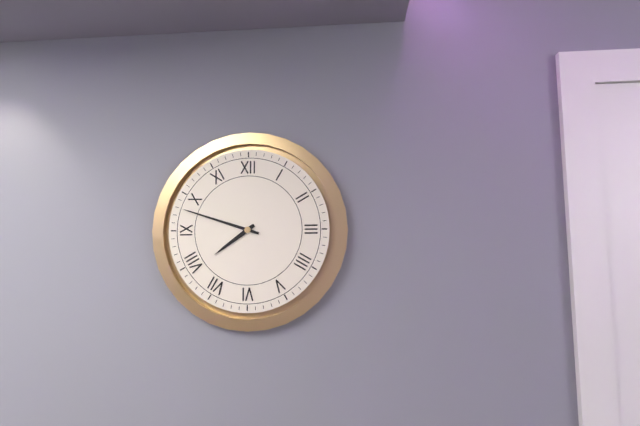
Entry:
h=7 m=48
